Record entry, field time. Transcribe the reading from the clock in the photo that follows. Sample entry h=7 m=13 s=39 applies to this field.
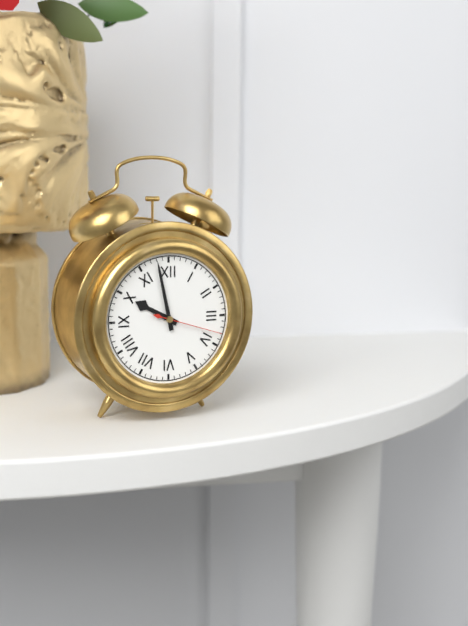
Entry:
h=9 m=58 s=18
